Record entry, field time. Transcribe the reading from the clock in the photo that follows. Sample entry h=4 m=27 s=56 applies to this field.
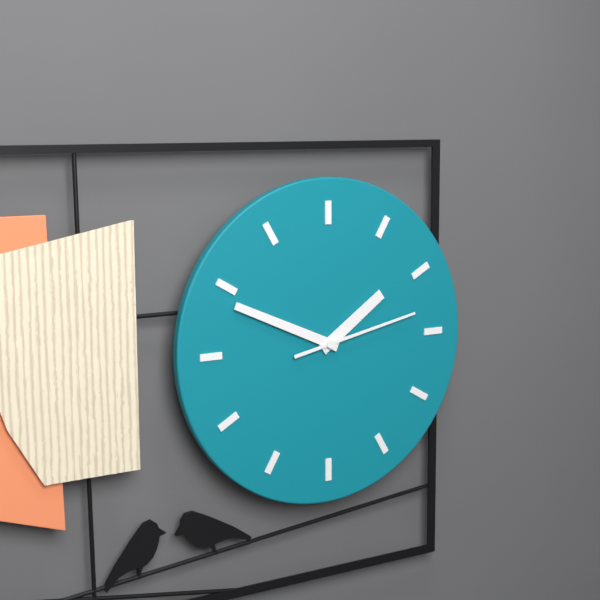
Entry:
h=1 m=49 s=13
